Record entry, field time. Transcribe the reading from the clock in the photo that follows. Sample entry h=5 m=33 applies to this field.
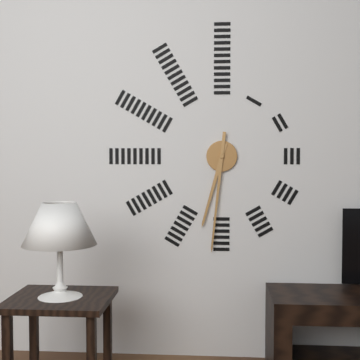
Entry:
h=6 m=31
